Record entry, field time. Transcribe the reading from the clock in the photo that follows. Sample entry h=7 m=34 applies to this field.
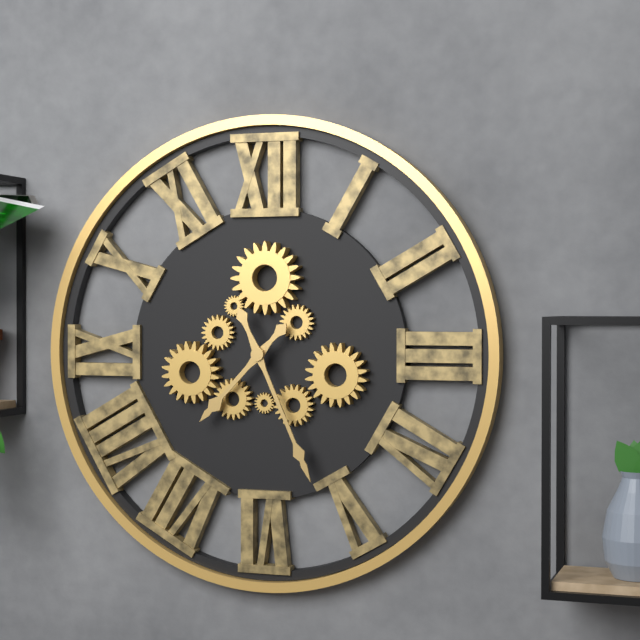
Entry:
h=7 m=26
